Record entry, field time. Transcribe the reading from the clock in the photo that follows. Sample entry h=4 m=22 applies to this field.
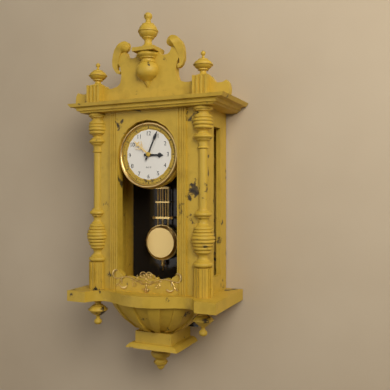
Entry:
h=3 m=4
